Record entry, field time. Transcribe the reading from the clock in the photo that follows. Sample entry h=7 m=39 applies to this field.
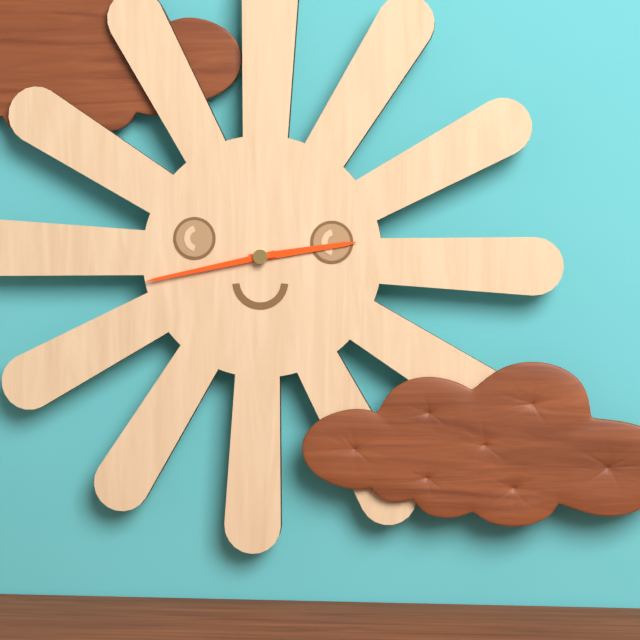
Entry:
h=2 m=43
